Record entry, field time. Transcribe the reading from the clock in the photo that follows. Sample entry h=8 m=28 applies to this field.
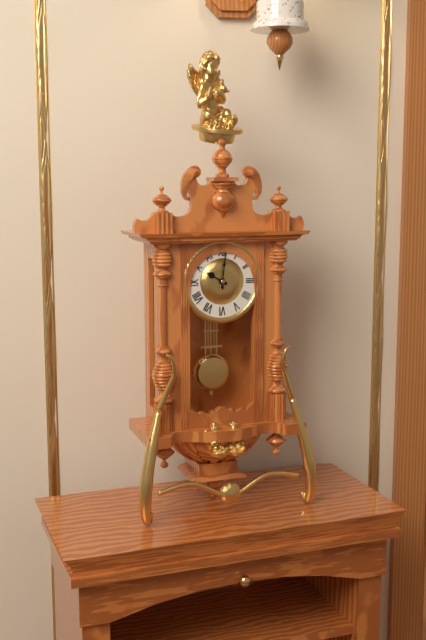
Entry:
h=10 m=1
